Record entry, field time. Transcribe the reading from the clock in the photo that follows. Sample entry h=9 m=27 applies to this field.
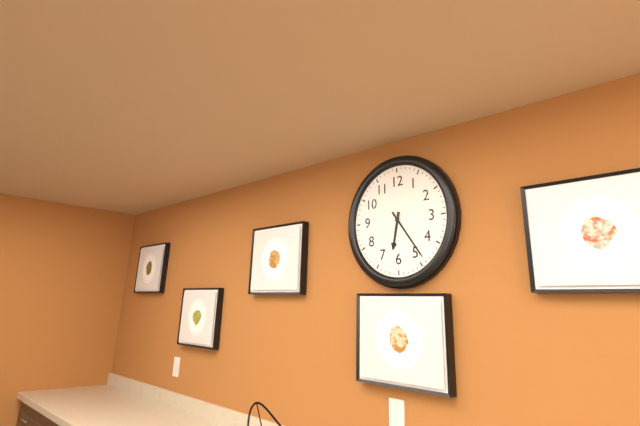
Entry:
h=6 m=24
